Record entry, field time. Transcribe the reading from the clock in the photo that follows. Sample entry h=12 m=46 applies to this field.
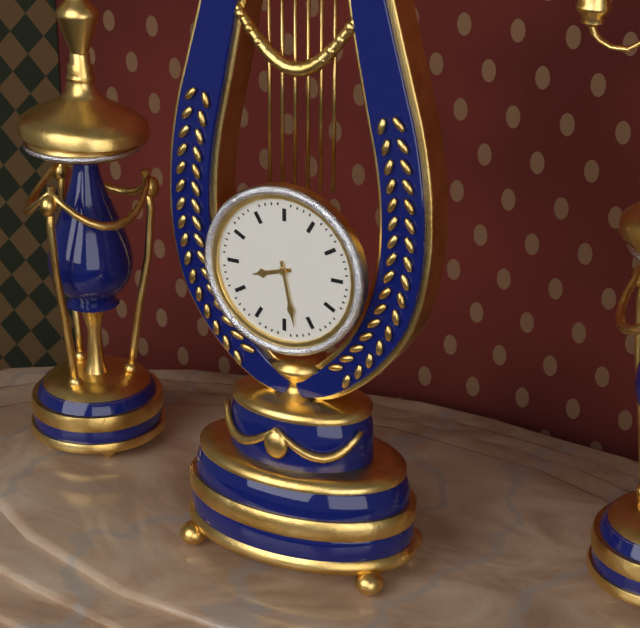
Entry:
h=8 m=28
